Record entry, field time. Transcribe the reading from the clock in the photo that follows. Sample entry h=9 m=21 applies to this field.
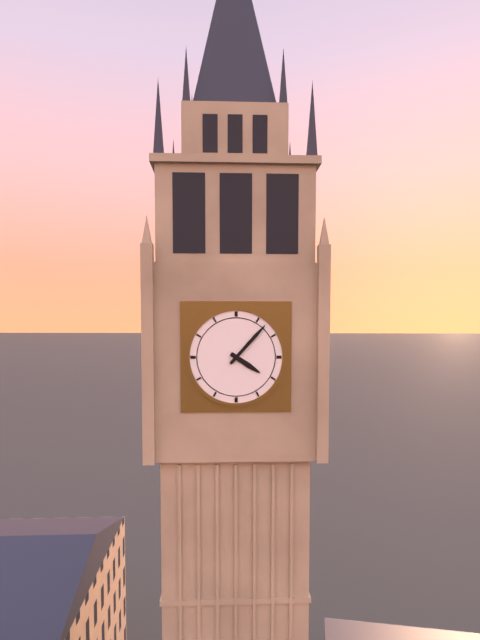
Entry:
h=4 m=7
